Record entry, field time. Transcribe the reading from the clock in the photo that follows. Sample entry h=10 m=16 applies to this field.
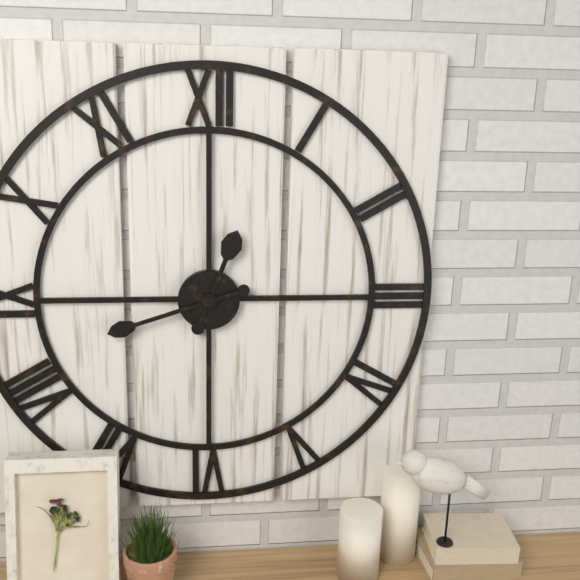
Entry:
h=12 m=42
